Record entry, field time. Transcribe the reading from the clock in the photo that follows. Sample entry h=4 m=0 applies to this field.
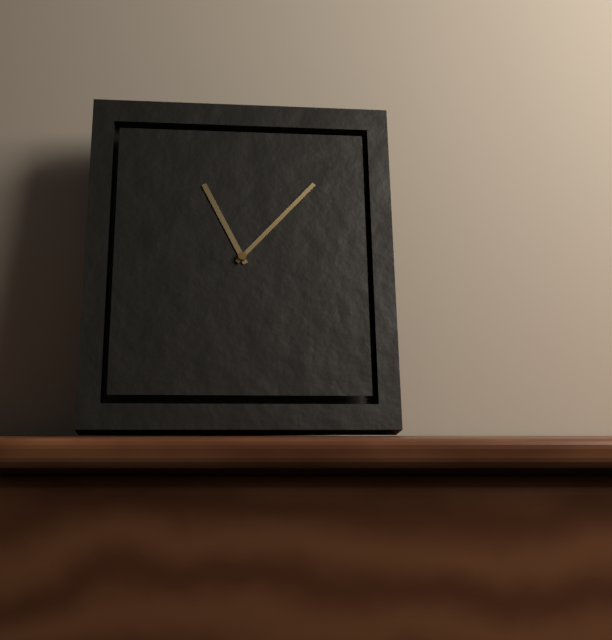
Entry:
h=11 m=7
